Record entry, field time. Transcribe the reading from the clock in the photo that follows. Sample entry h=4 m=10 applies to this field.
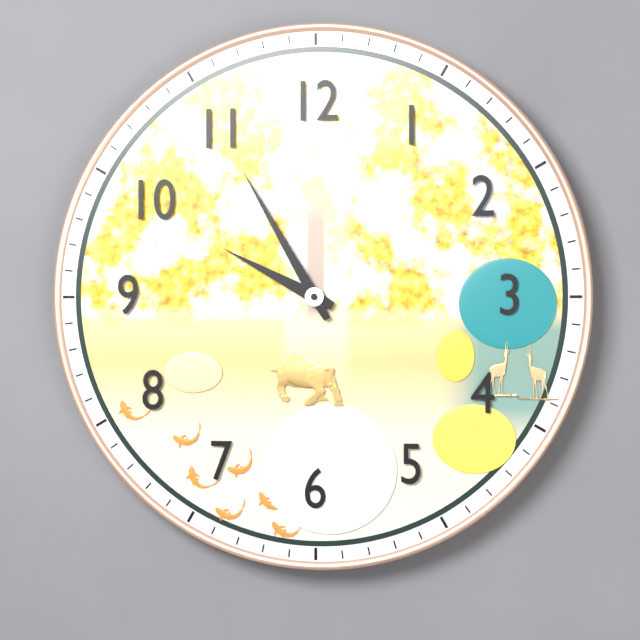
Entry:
h=9 m=55
